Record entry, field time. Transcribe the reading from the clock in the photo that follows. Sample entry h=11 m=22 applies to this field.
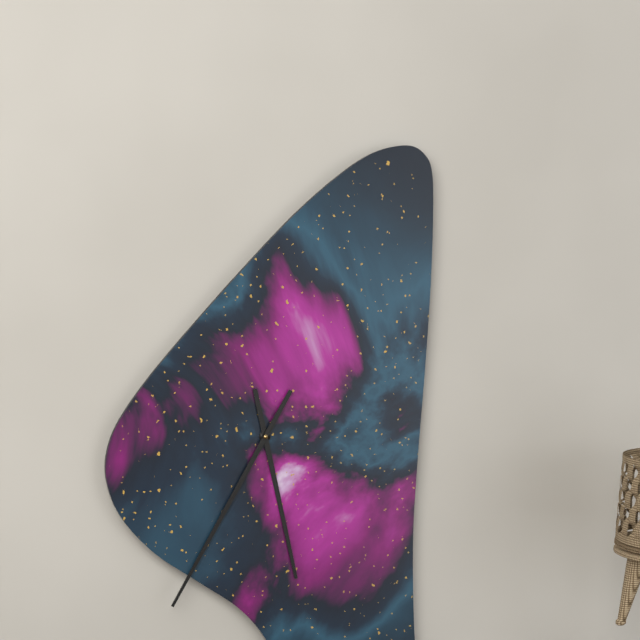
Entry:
h=5 m=35
